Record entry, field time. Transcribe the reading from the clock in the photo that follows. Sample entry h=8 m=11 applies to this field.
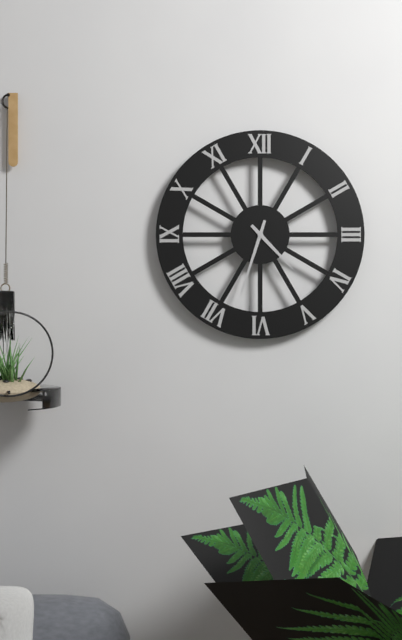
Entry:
h=4 m=33
